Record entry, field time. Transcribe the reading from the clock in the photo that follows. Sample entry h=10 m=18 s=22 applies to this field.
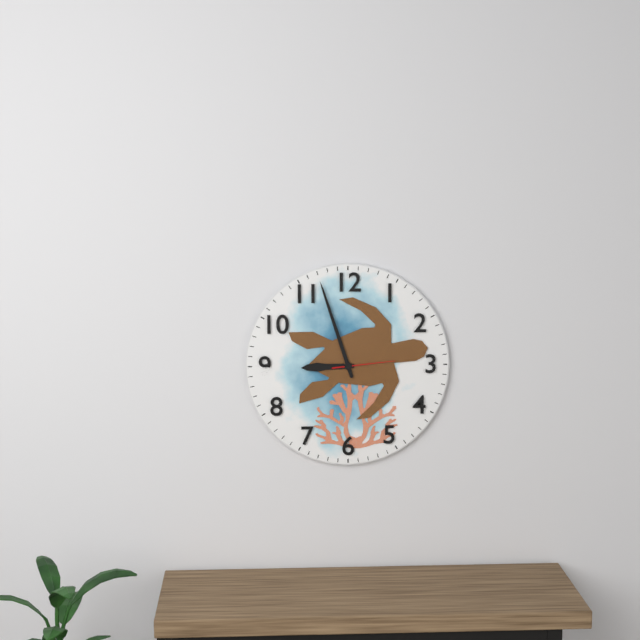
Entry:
h=8 m=57 s=14
